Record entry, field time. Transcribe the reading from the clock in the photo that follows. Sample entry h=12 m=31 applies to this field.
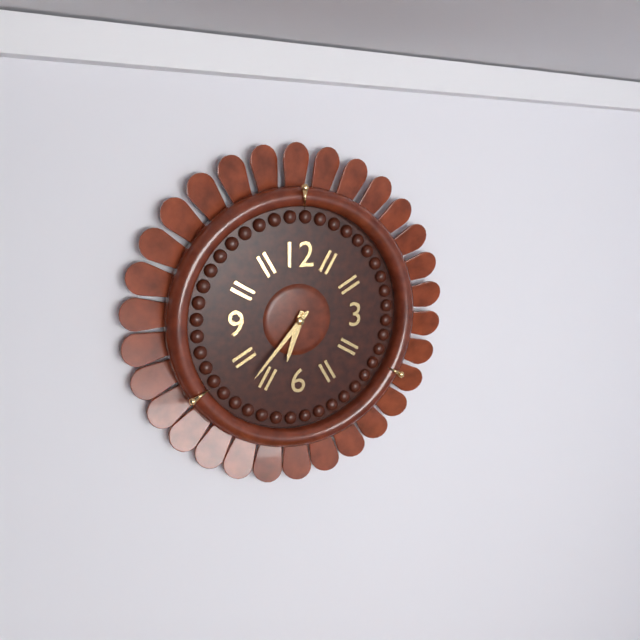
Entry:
h=6 m=37
